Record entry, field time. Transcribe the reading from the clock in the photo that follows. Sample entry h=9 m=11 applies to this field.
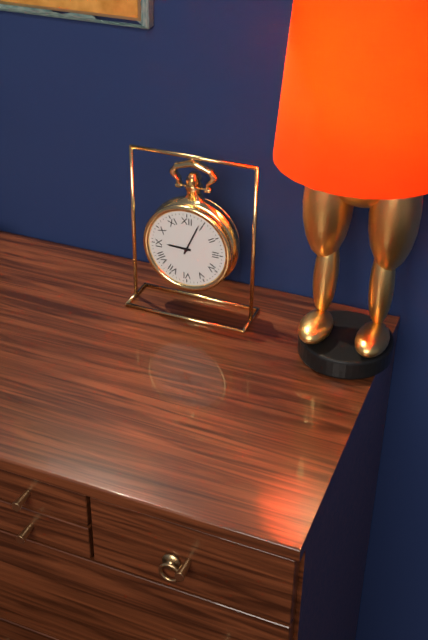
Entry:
h=9 m=4
